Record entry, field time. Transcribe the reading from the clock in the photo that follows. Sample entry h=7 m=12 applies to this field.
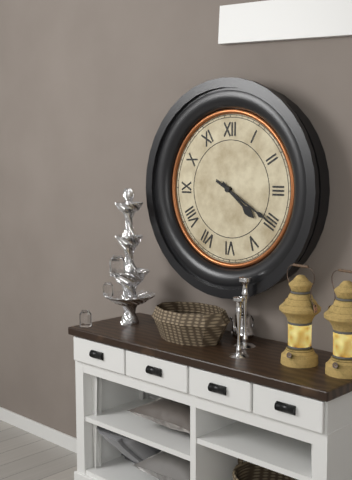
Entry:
h=4 m=20
